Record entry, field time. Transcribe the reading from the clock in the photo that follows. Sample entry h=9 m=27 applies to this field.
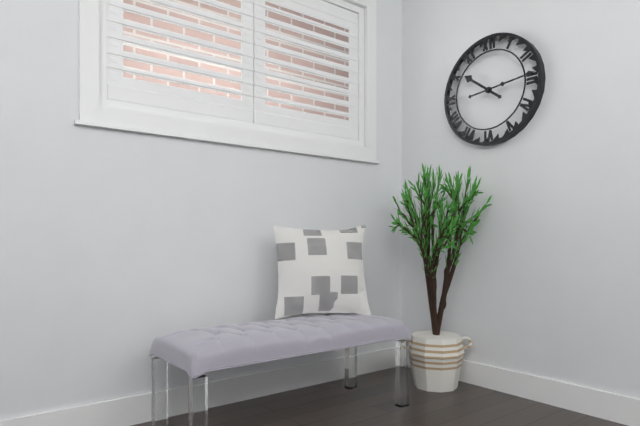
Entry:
h=10 m=14
